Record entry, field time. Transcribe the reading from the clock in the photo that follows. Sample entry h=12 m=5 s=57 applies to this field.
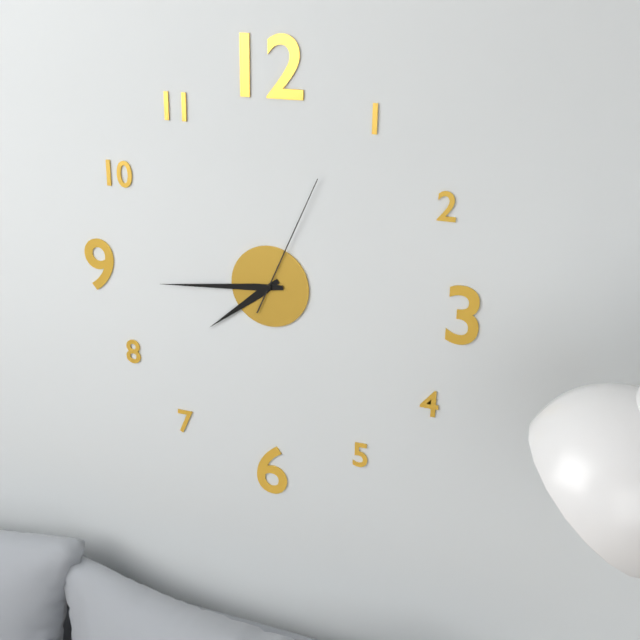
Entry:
h=7 m=44 s=4
